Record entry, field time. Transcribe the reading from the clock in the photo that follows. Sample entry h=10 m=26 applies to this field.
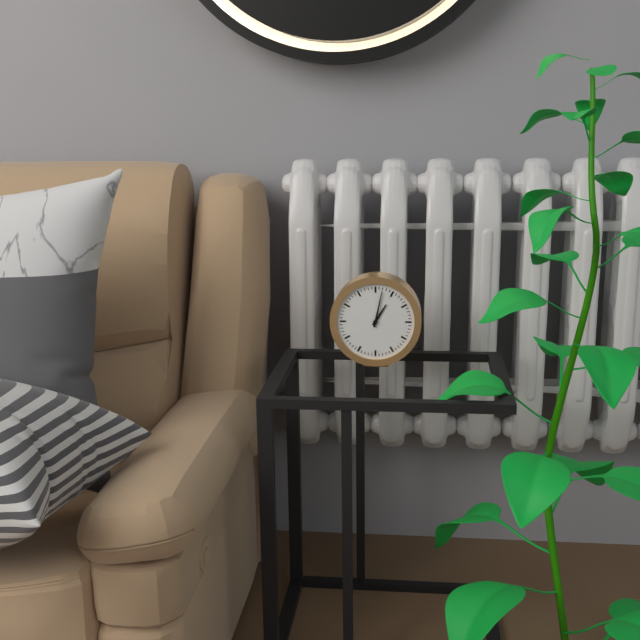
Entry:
h=1 m=2
